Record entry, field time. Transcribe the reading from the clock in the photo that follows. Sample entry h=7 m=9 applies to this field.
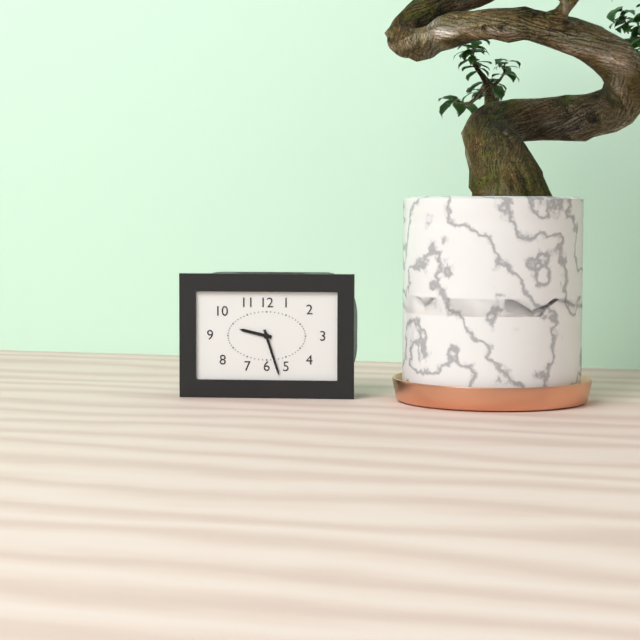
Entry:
h=9 m=27
